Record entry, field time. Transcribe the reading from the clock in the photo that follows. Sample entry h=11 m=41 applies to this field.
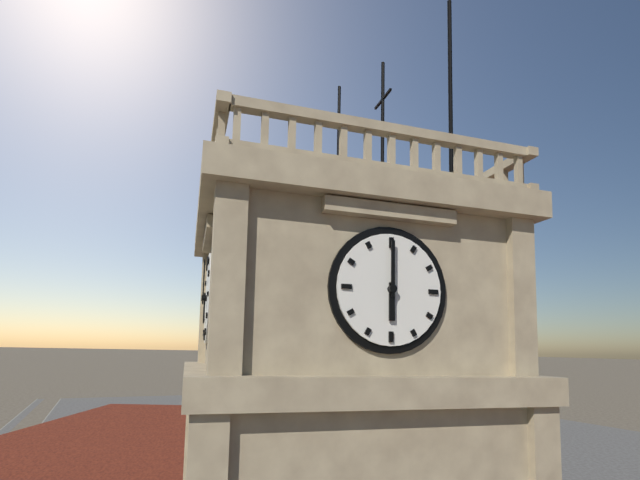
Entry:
h=6 m=0
